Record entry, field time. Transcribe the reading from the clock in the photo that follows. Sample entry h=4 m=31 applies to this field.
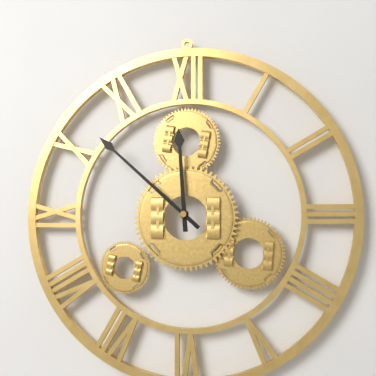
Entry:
h=11 m=52
